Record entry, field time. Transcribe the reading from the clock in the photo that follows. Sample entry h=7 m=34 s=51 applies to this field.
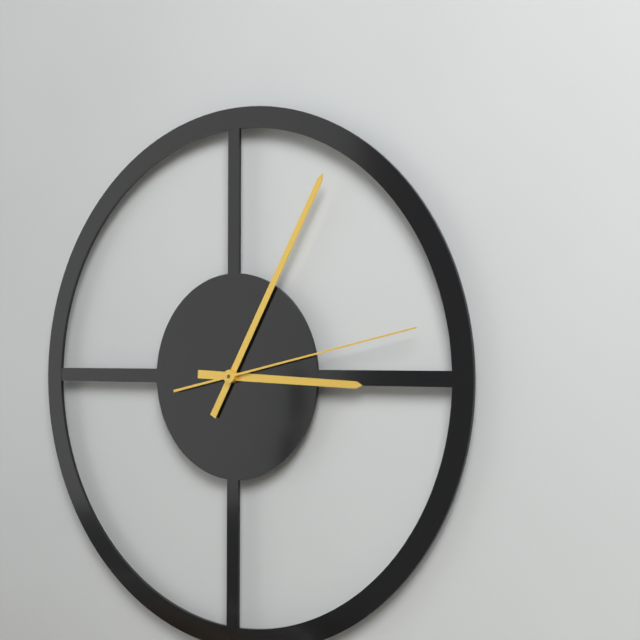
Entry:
h=3 m=5 s=13
